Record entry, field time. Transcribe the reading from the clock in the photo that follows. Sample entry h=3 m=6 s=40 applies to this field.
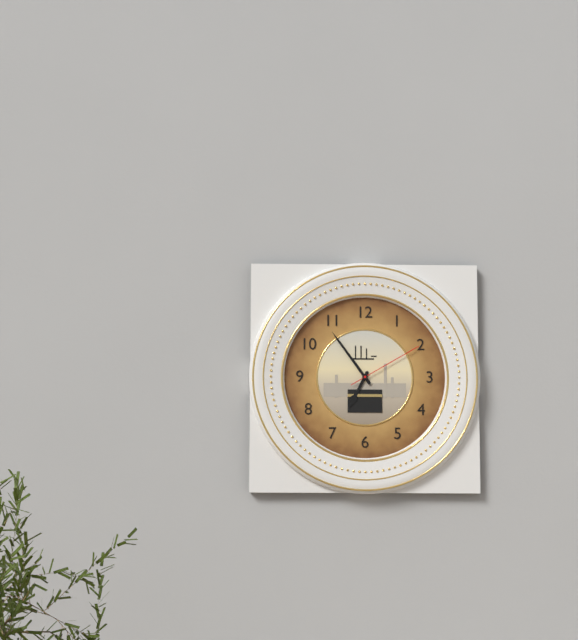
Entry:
h=6 m=54 s=10
